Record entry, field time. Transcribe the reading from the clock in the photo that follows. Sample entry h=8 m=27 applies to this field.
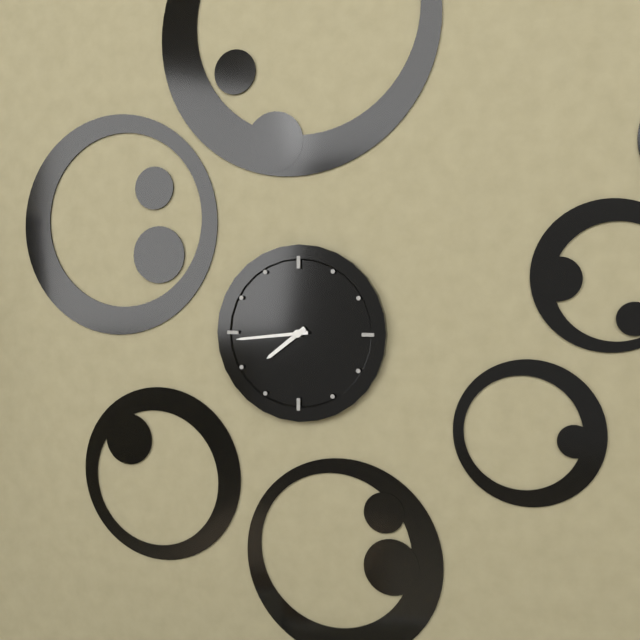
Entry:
h=7 m=44
